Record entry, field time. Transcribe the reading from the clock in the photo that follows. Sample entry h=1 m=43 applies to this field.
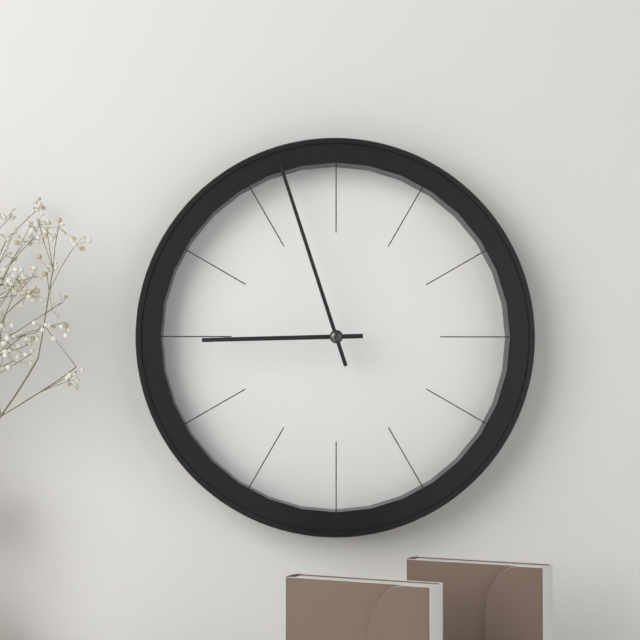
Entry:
h=8 m=57
